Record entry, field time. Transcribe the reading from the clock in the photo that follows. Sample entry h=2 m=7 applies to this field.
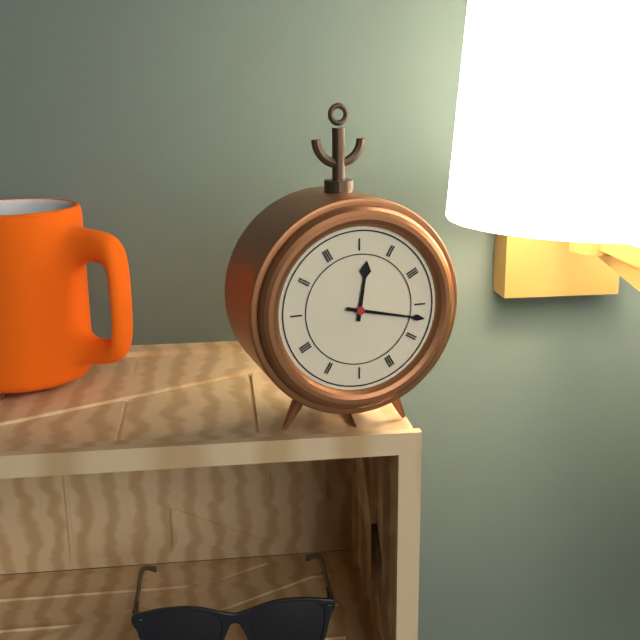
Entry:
h=12 m=17
